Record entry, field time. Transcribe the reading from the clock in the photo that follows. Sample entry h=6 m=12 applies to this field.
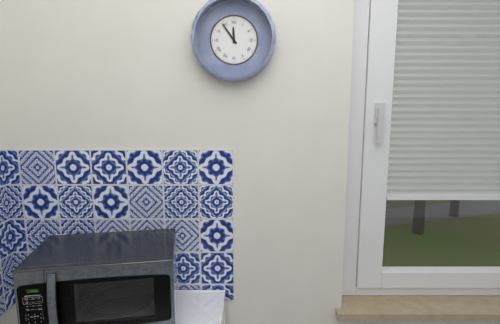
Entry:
h=11 m=54
